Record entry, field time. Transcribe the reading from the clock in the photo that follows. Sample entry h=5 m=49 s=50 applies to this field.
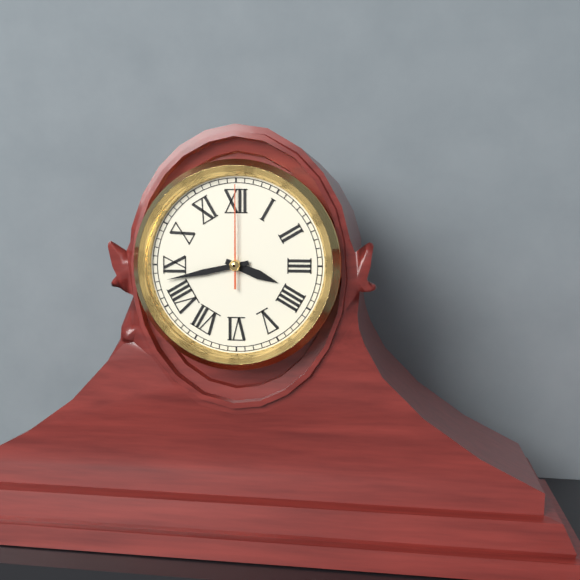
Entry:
h=3 m=43 s=0
